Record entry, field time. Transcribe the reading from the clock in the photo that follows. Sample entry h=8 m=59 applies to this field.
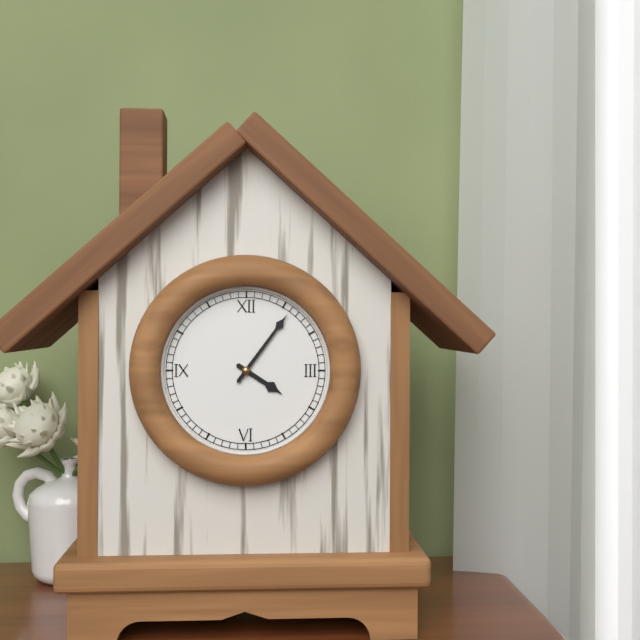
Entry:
h=4 m=6
